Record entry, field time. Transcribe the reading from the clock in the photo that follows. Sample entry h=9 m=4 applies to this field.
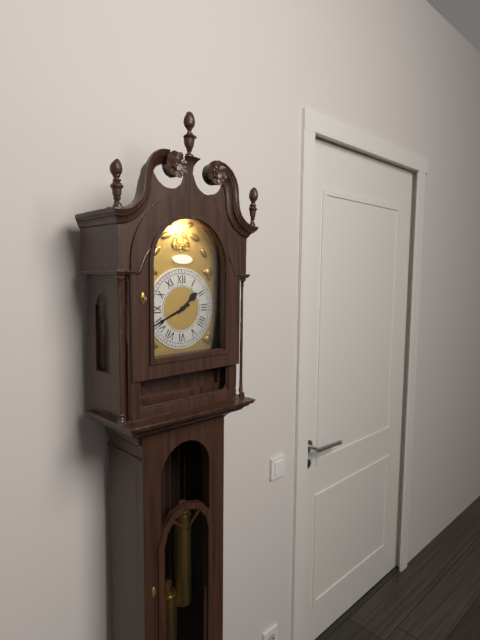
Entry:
h=1 m=41
